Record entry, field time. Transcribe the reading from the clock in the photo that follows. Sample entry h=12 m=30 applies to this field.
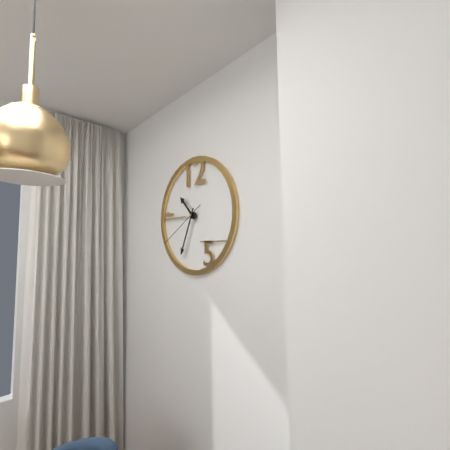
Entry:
h=10 m=34
